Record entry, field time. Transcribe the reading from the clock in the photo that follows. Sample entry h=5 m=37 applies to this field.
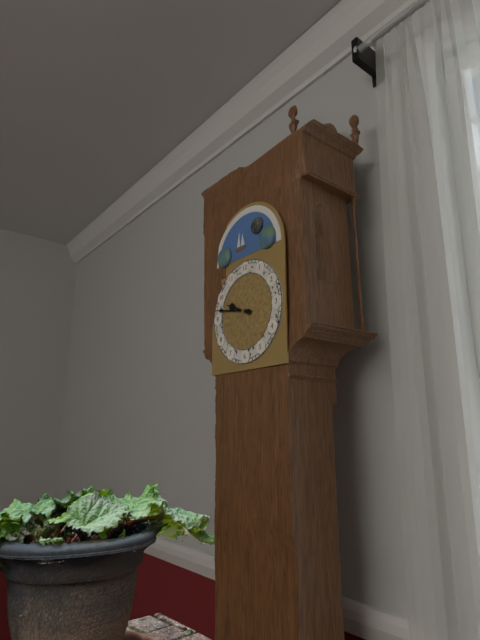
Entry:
h=9 m=47
